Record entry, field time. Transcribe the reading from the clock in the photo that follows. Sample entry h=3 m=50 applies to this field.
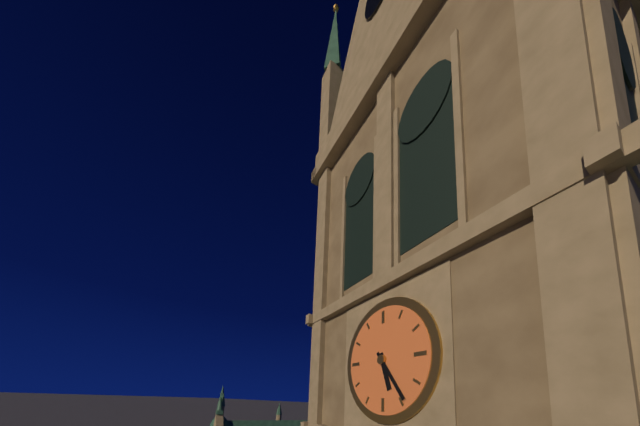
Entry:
h=5 m=24
